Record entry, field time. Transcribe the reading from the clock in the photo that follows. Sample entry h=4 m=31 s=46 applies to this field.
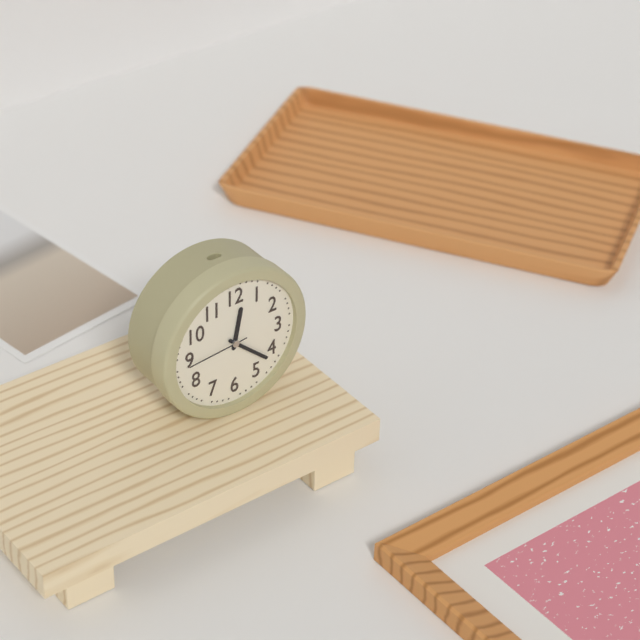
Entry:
h=12 m=22 s=44
